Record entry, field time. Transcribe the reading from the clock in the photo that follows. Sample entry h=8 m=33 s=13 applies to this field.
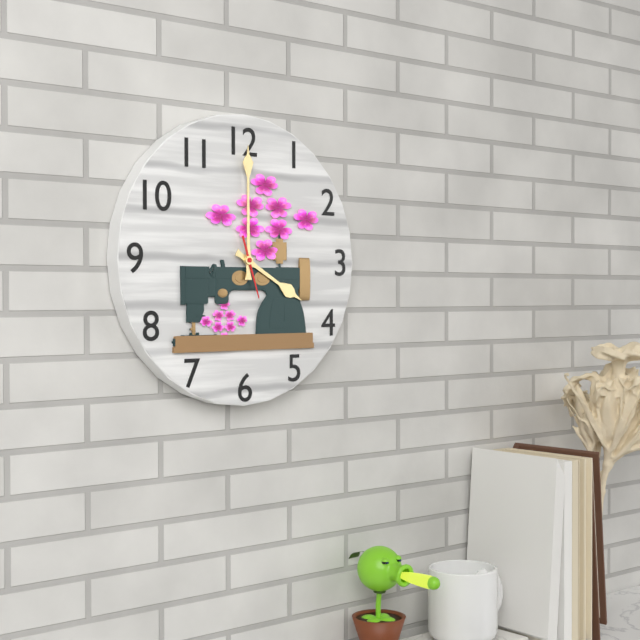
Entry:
h=4 m=0 s=27
